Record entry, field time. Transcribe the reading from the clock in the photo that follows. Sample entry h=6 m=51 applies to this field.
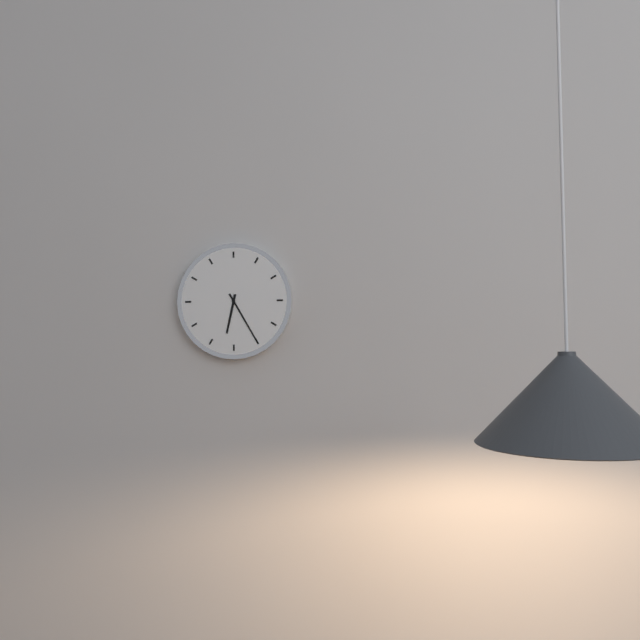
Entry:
h=6 m=25
